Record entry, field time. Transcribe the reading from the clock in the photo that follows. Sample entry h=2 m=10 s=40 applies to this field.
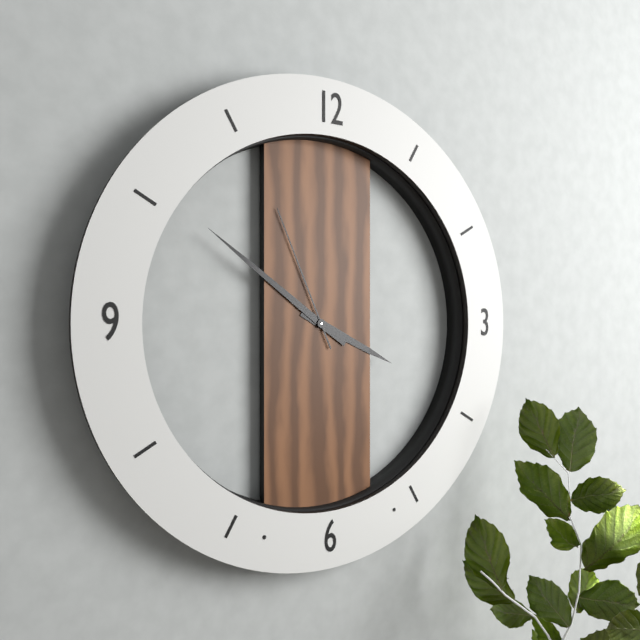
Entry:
h=3 m=51 s=56
